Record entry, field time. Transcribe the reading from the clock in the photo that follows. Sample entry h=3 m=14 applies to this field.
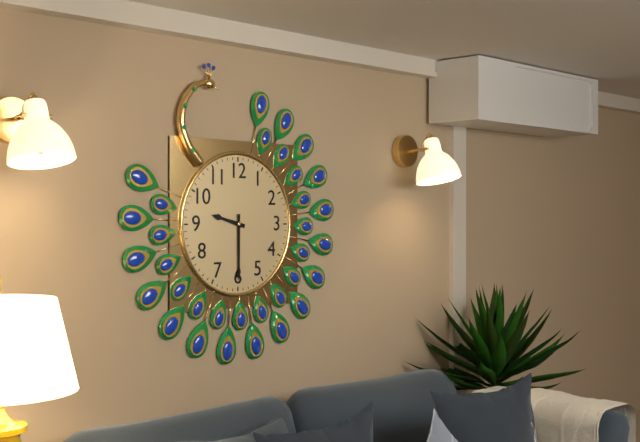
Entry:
h=9 m=30
